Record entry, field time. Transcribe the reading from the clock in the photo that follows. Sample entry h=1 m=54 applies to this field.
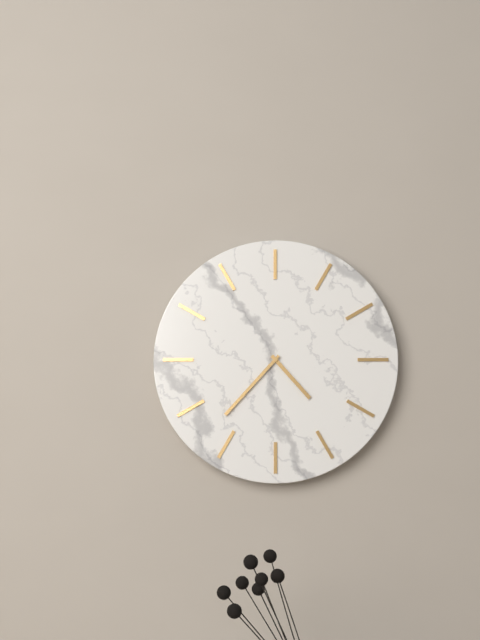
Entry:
h=4 m=37
